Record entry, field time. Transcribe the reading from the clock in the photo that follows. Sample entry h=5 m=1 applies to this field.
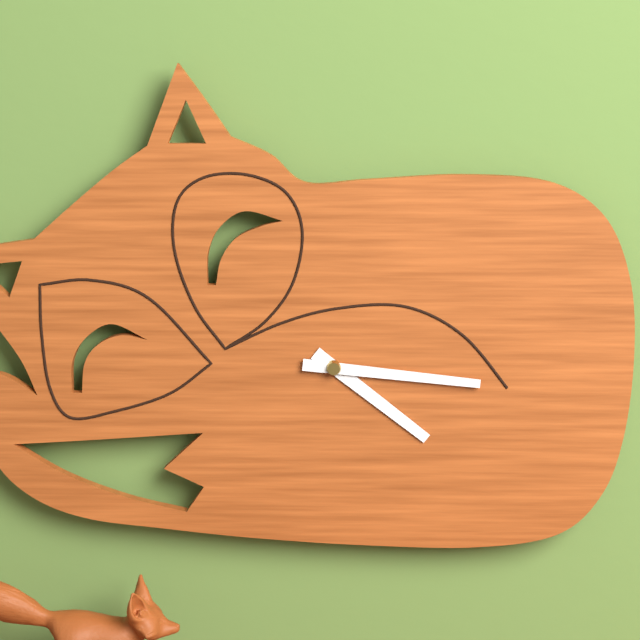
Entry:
h=4 m=16
